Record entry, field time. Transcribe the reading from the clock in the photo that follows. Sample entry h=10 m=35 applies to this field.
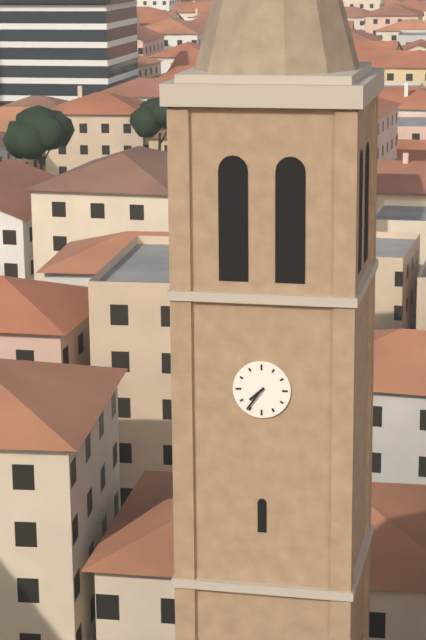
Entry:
h=7 m=36
